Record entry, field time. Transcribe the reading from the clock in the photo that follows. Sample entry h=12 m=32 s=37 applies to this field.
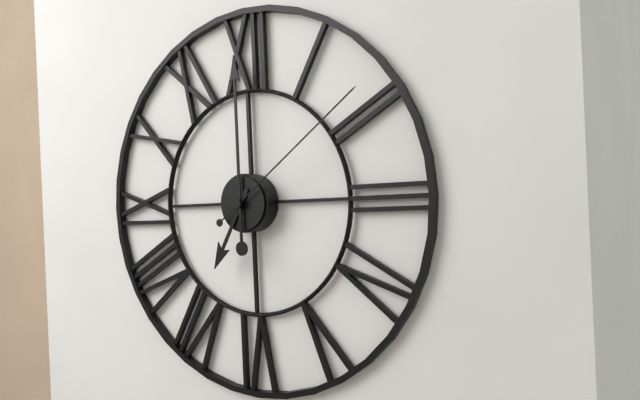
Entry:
h=7 m=0 s=9
